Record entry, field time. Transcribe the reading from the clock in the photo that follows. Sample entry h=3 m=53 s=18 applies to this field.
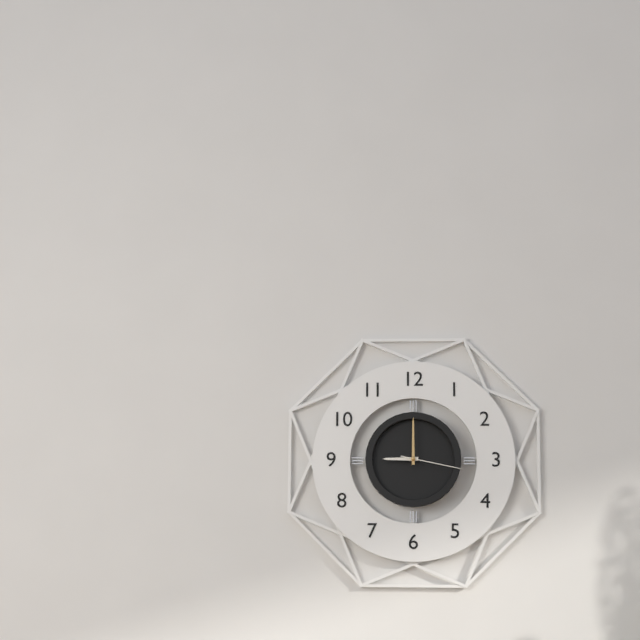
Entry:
h=9 m=0 s=17
